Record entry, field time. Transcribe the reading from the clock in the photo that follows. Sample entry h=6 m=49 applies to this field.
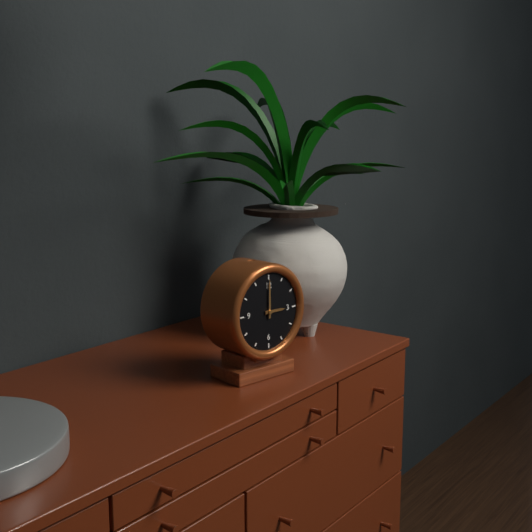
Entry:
h=3 m=0
